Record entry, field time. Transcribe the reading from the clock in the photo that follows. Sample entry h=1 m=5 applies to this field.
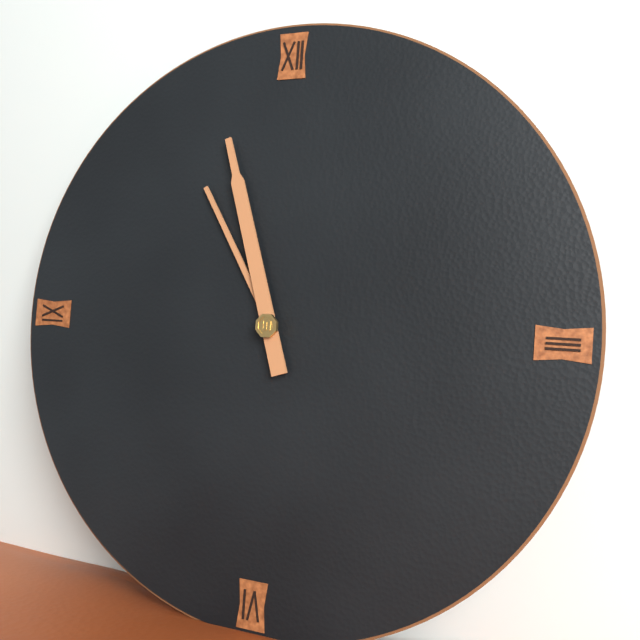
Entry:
h=10 m=57
